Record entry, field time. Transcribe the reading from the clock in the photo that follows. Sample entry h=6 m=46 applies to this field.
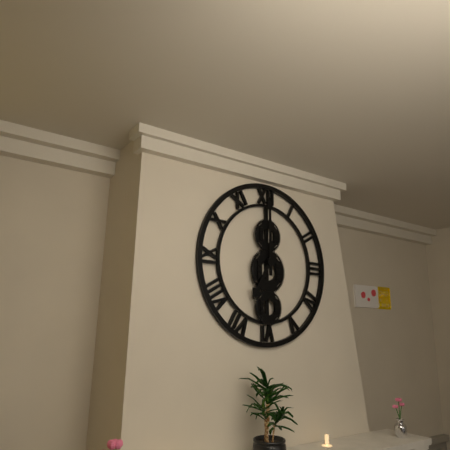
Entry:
h=7 m=0
